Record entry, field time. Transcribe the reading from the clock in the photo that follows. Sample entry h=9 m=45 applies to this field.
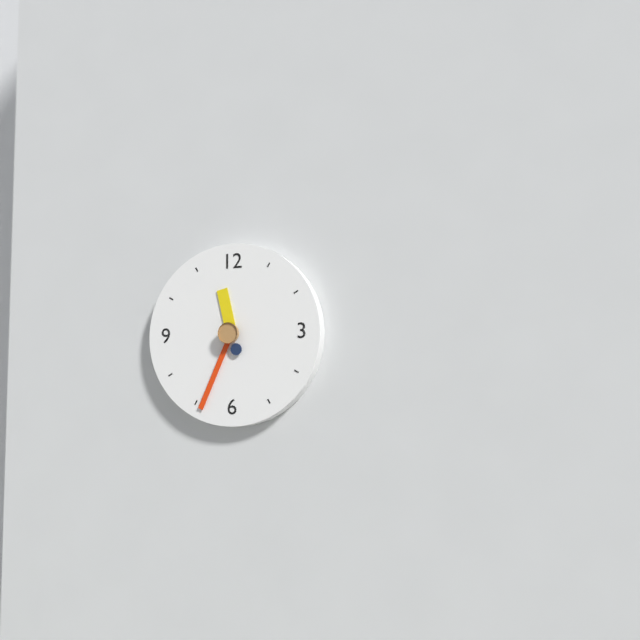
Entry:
h=11 m=34
